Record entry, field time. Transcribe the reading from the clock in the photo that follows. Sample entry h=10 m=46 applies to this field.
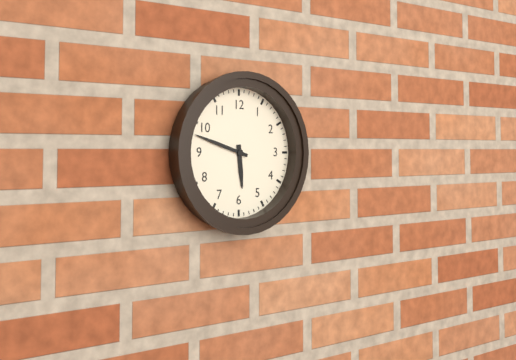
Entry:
h=5 m=48
